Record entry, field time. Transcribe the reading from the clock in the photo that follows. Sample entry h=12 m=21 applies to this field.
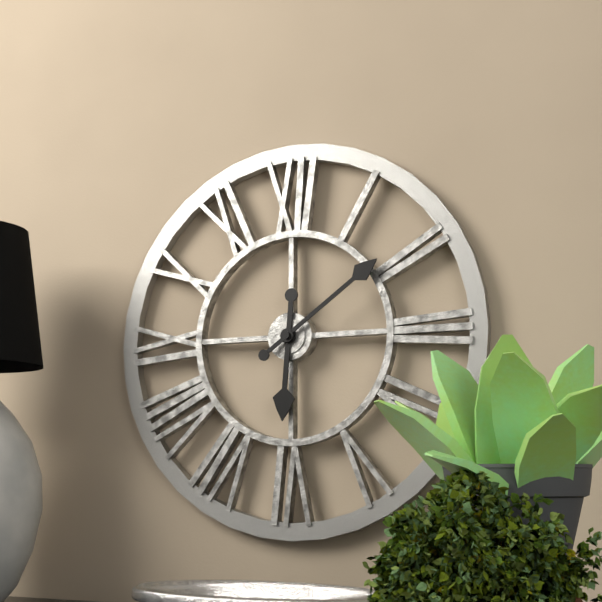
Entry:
h=6 m=9
